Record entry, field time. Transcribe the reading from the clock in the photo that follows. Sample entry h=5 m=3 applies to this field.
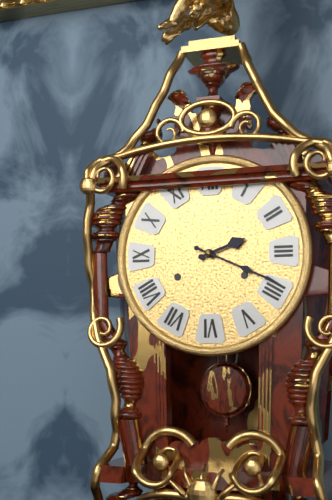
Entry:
h=2 m=19
